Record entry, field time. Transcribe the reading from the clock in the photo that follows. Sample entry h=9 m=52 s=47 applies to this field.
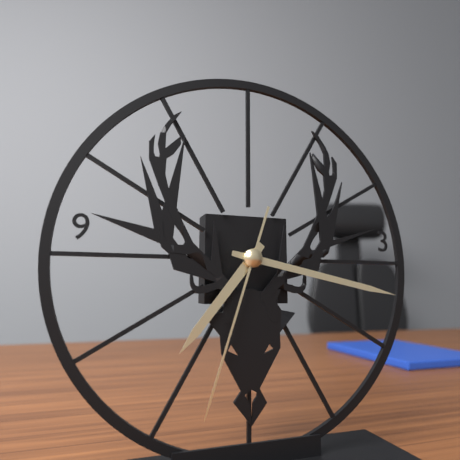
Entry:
h=7 m=17 s=33
